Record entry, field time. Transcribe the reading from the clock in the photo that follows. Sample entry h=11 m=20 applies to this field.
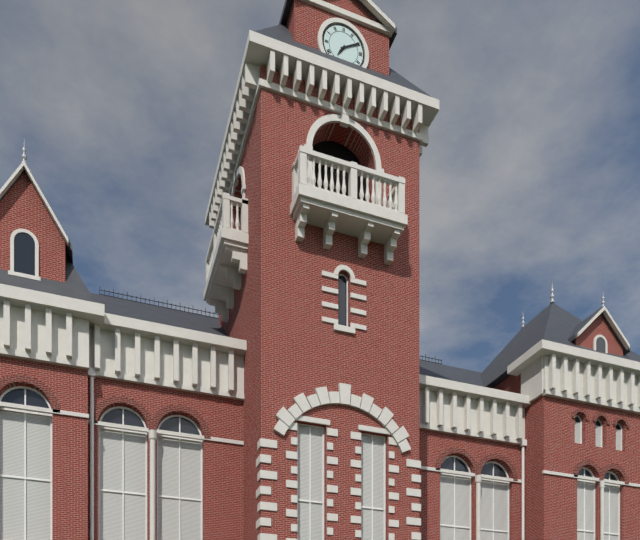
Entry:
h=7 m=10
